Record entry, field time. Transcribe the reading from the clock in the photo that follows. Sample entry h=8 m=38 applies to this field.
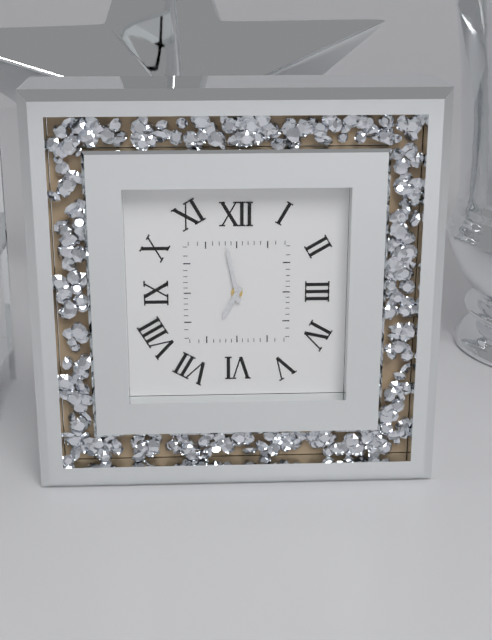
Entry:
h=6 m=58
